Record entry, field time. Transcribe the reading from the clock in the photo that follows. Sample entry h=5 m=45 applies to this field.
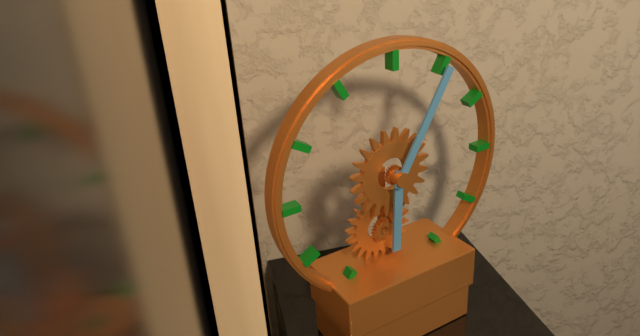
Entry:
h=6 m=5
